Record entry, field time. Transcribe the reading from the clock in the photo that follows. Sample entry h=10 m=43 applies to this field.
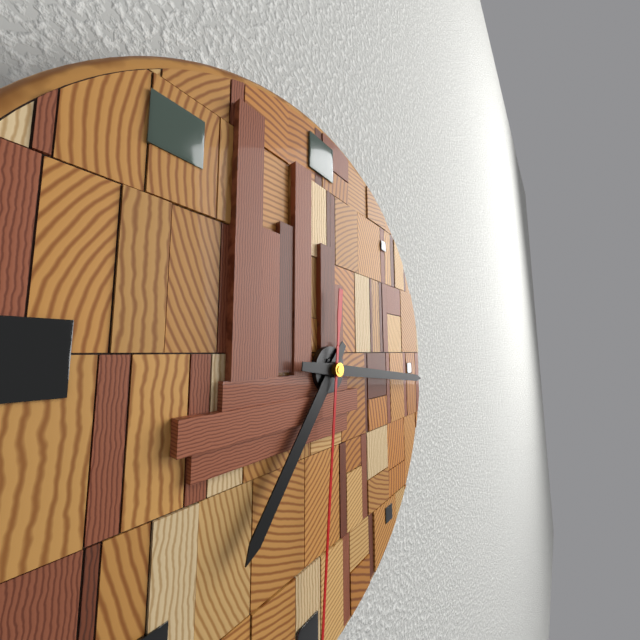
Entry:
h=7 m=16
